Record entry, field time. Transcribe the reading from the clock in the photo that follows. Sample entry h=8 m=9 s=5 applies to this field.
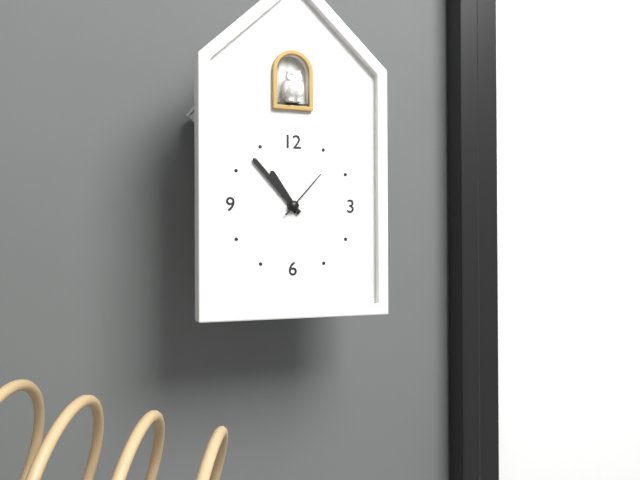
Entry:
h=10 m=53 s=7
